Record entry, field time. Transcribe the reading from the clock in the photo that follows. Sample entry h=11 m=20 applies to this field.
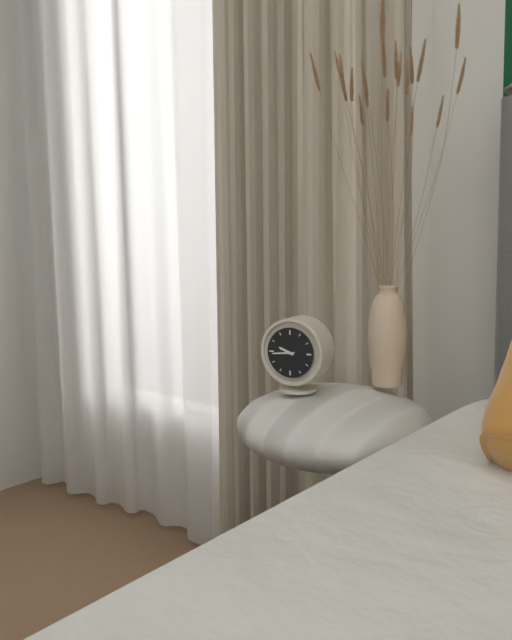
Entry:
h=9 m=44
